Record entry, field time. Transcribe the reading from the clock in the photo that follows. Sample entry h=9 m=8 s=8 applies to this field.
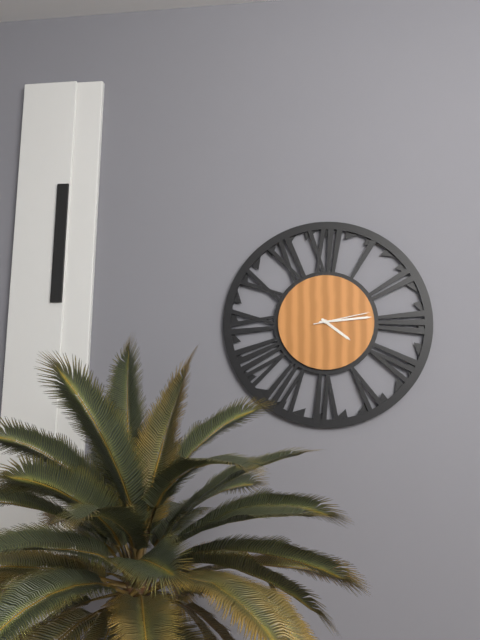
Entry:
h=4 m=14 s=13
